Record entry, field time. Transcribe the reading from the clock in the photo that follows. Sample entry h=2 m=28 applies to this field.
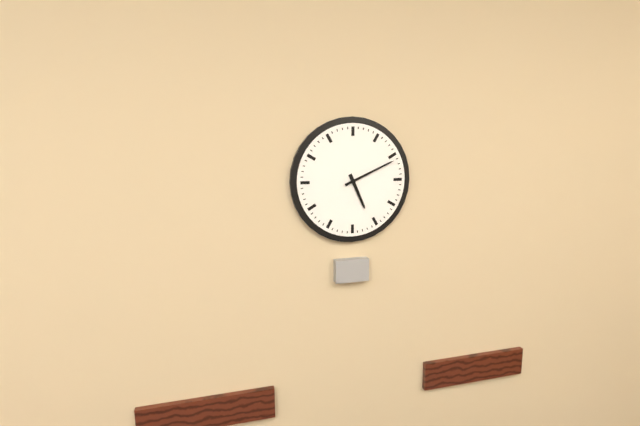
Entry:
h=5 m=11
